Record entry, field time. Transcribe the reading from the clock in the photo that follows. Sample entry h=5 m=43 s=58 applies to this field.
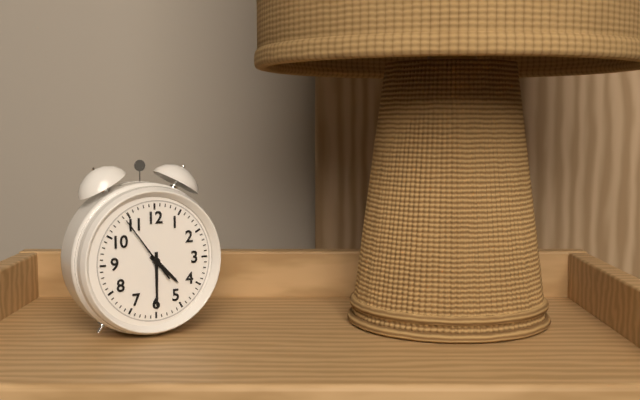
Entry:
h=4 m=30 s=54
